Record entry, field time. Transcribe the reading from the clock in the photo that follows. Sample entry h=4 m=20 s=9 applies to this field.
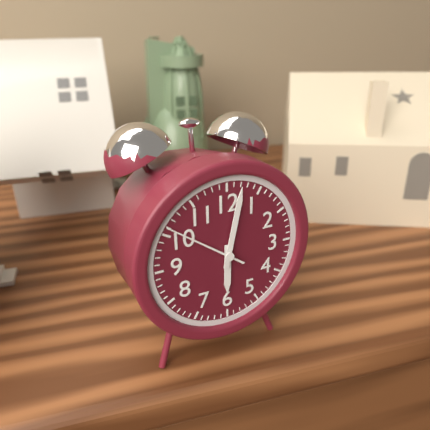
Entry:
h=6 m=2 s=51
